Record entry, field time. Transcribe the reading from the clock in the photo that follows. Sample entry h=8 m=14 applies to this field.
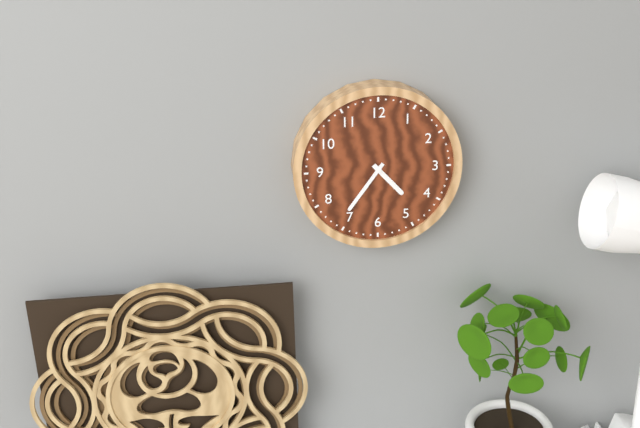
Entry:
h=4 m=36
